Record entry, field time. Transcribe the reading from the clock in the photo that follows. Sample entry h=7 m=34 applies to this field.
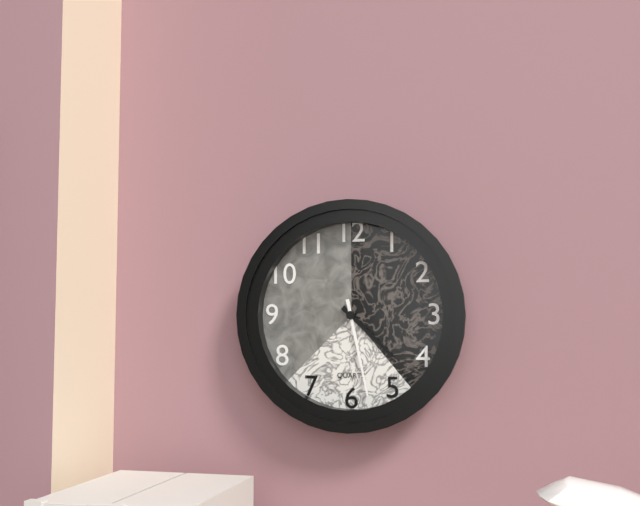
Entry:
h=4 m=28
